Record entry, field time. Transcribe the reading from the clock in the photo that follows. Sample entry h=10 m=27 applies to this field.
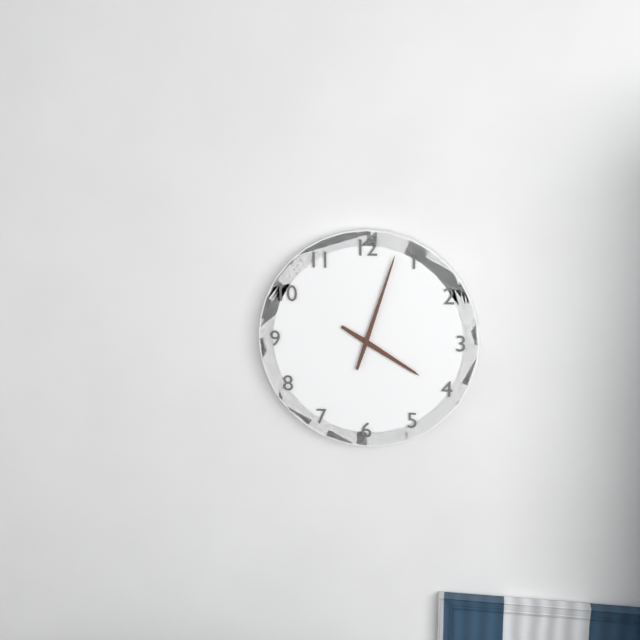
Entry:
h=4 m=3
